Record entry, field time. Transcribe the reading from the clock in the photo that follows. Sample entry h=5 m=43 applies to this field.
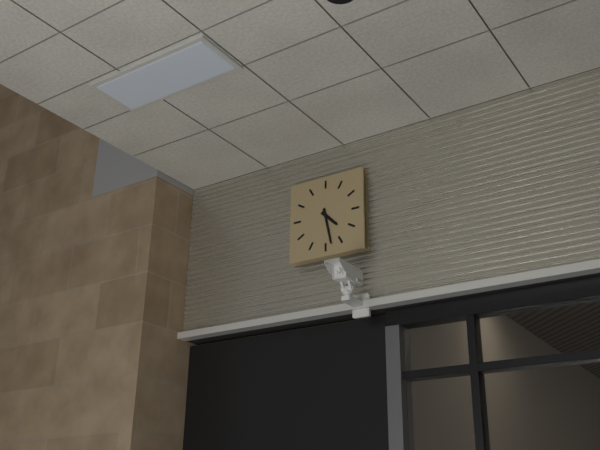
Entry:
h=4 m=28
